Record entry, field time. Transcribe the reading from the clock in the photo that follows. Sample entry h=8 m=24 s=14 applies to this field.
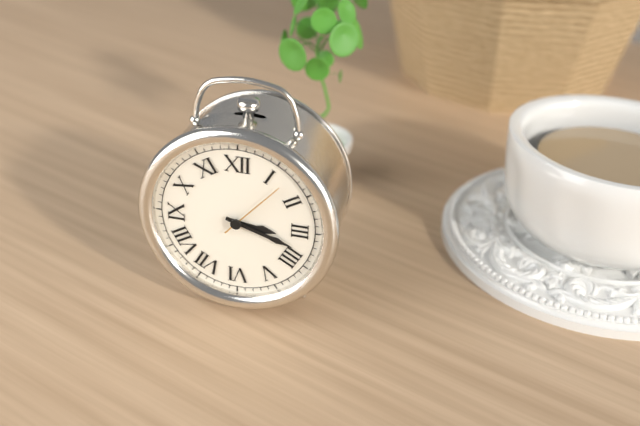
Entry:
h=3 m=18 s=7
